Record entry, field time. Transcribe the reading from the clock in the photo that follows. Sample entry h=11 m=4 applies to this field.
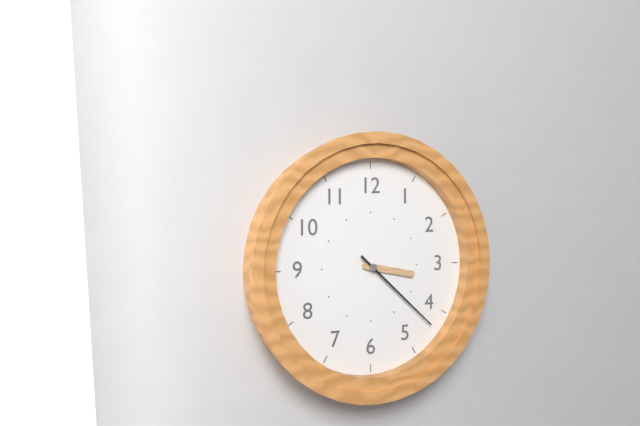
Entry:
h=3 m=22
